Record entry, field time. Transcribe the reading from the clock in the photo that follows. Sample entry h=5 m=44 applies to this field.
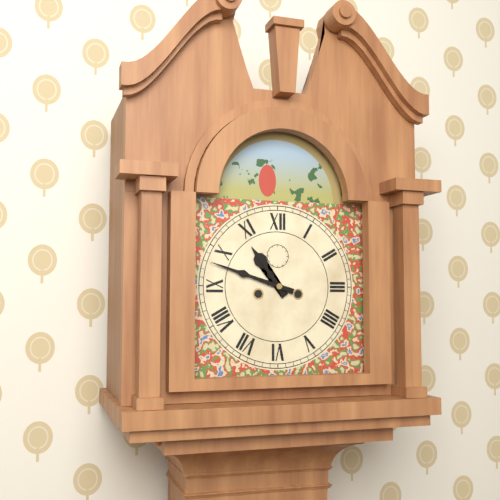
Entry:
h=10 m=48
